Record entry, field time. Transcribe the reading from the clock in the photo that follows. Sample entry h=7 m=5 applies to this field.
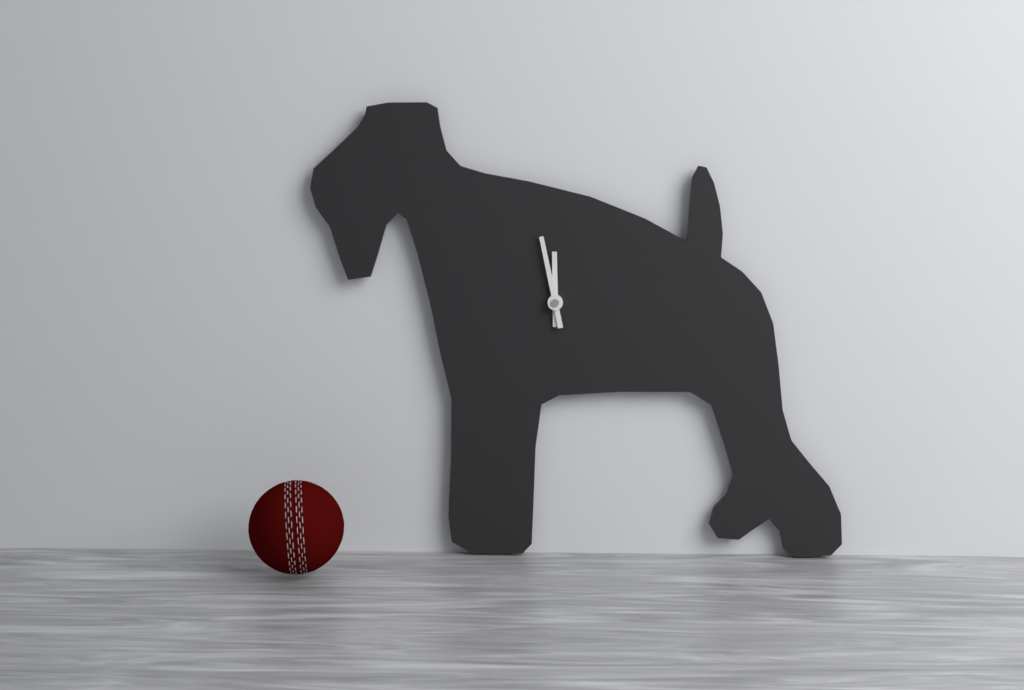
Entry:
h=11 m=58
